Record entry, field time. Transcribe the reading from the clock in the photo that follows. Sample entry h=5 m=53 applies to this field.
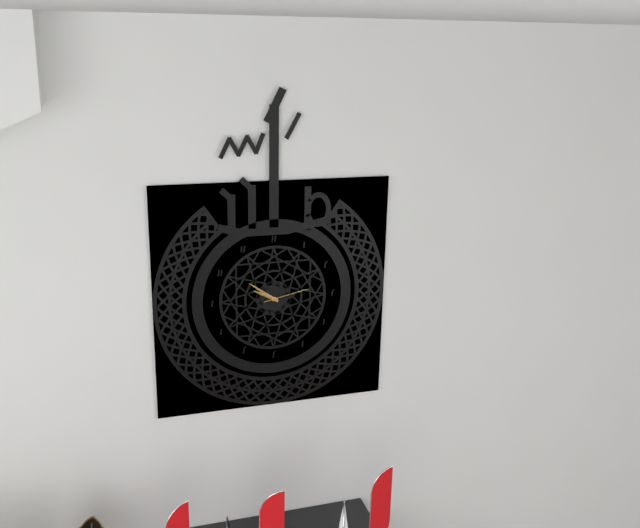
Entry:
h=9 m=51
